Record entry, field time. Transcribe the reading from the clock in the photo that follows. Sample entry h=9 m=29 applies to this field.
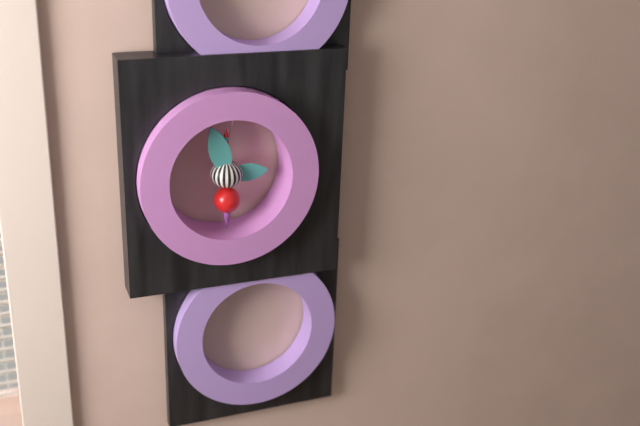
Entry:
h=2 m=57
